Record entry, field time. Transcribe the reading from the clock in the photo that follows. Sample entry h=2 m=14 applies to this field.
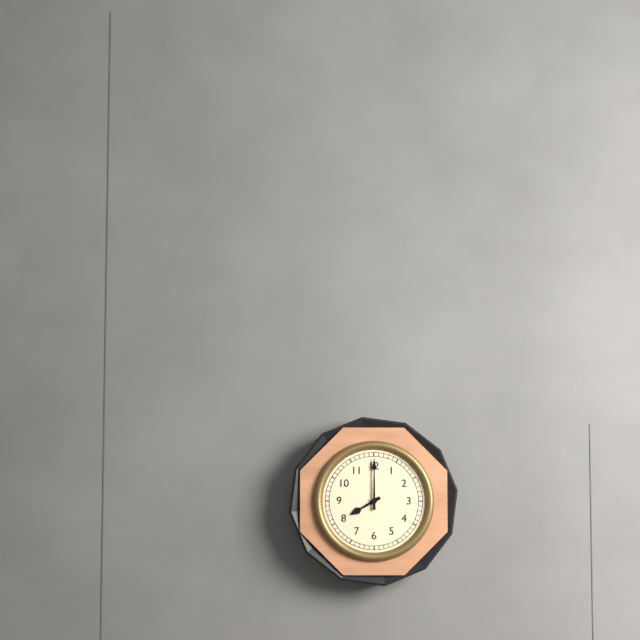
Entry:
h=8 m=0
